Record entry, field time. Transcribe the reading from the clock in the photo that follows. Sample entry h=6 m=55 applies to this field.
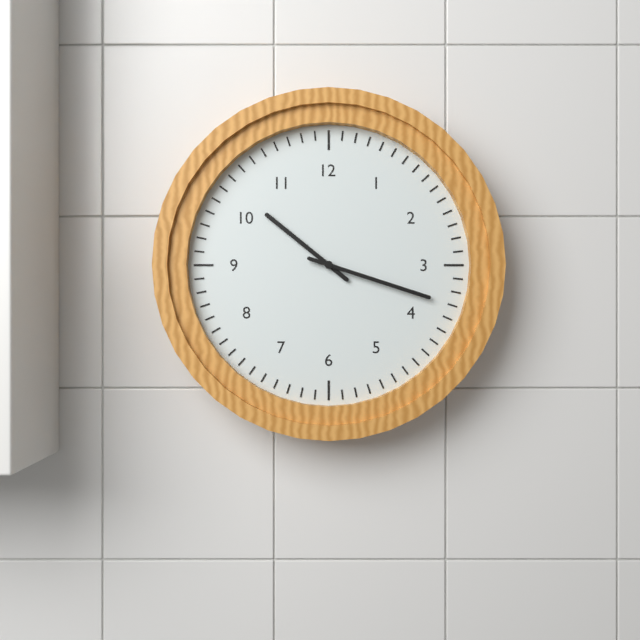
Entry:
h=10 m=18
